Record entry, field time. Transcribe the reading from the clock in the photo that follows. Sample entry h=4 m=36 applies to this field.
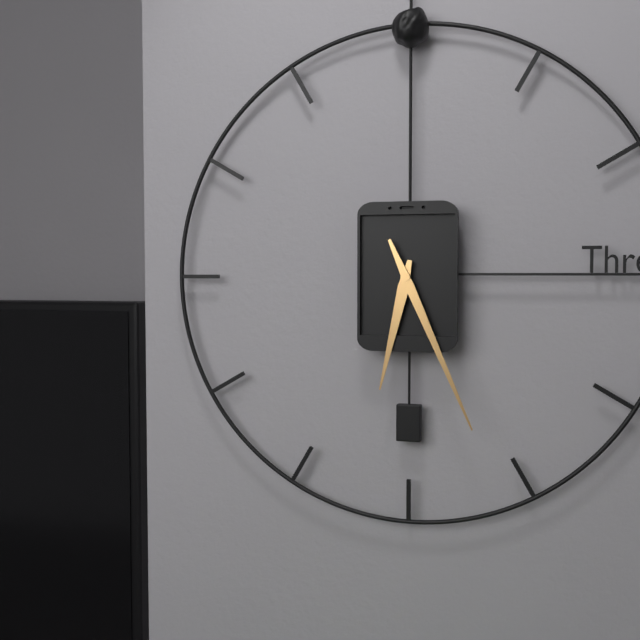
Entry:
h=6 m=26
